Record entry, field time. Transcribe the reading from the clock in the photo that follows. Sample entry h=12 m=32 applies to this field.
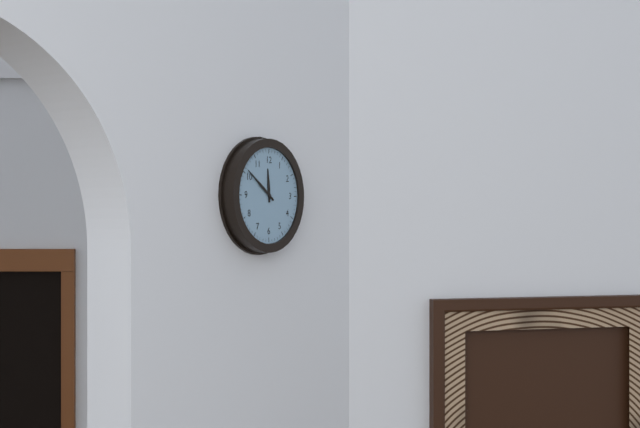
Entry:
h=11 m=51
